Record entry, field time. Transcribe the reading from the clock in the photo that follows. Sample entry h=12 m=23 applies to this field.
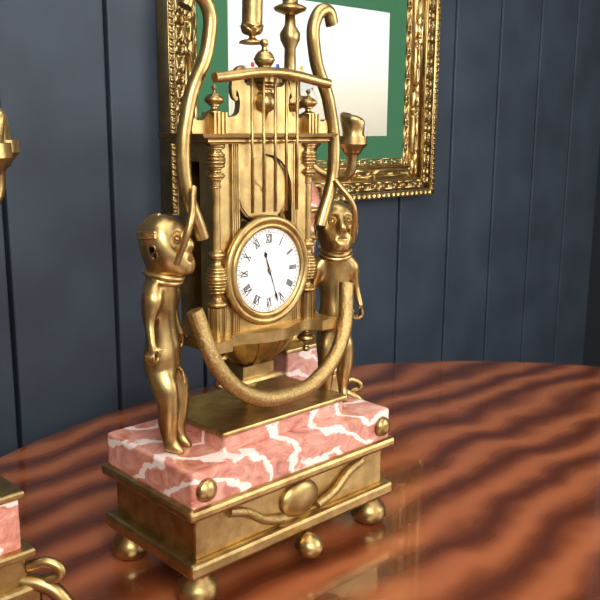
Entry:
h=11 m=27
